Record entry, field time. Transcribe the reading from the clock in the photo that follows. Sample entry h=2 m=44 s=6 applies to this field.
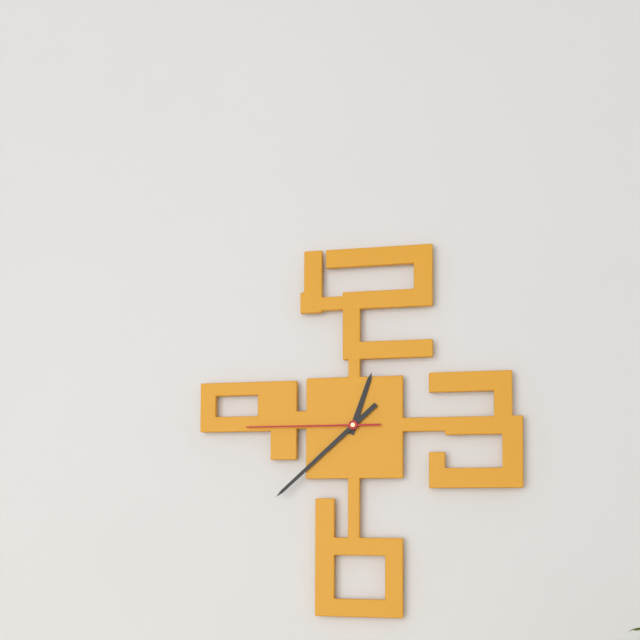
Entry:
h=12 m=38 s=45
